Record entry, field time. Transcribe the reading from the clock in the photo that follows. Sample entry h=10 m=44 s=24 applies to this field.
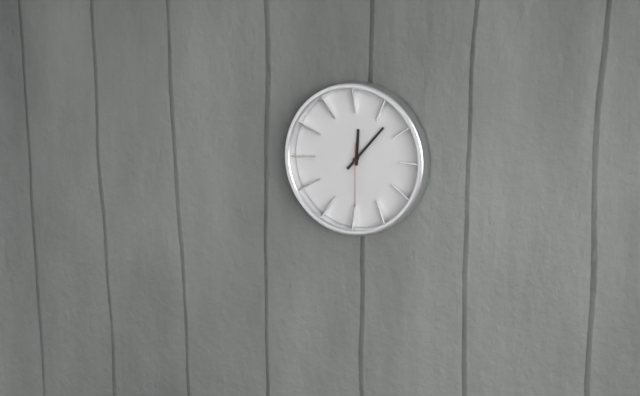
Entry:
h=12 m=7 s=30
